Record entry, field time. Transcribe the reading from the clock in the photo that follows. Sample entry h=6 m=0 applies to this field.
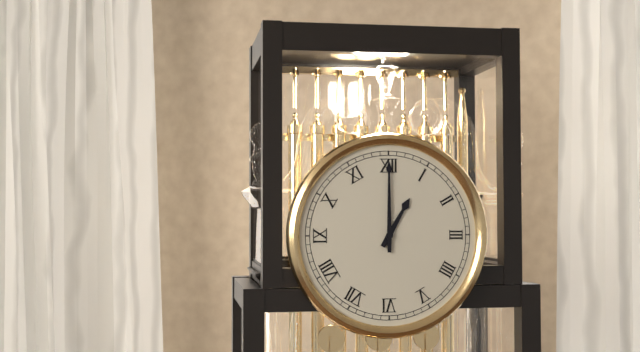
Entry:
h=1 m=0
